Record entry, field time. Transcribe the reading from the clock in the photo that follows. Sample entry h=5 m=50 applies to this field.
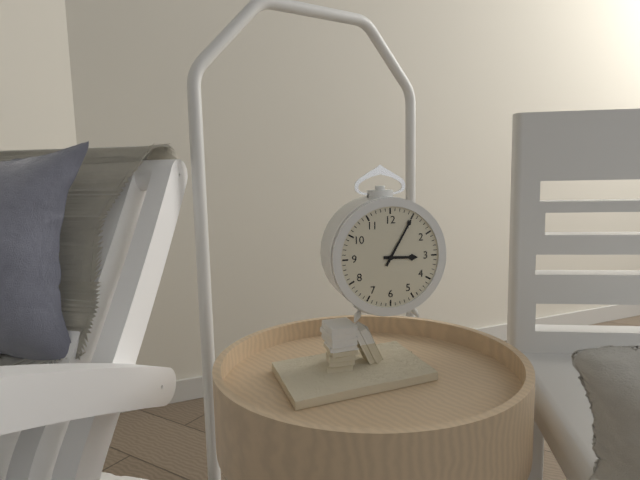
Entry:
h=3 m=5
